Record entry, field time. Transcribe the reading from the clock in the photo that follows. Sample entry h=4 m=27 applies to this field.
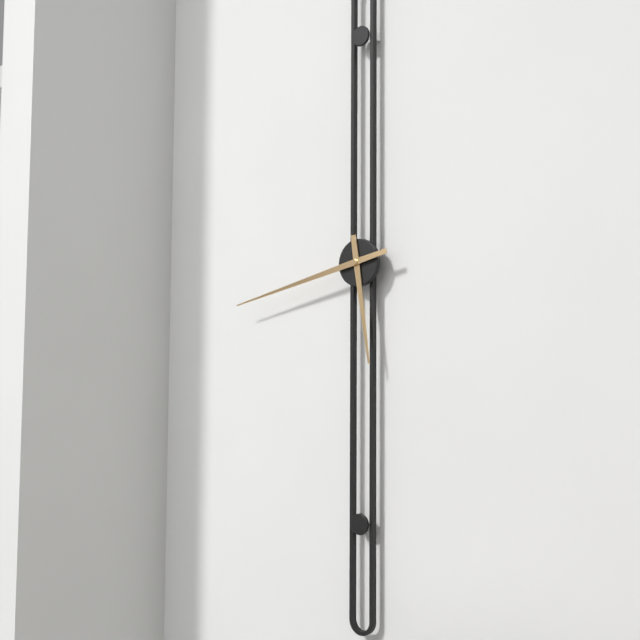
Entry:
h=5 m=43
